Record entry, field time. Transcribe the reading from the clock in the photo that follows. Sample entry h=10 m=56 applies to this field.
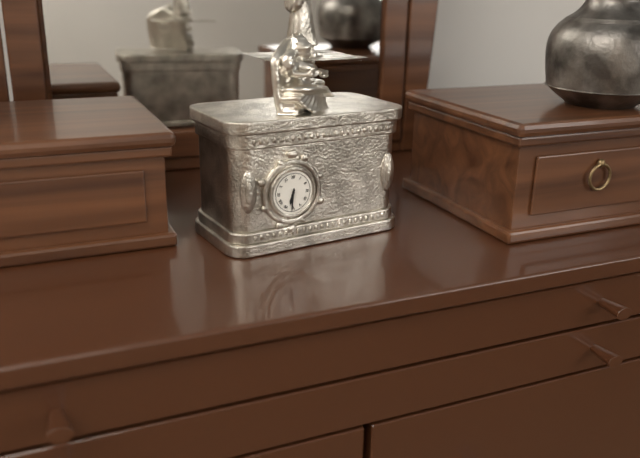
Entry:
h=6 m=31
